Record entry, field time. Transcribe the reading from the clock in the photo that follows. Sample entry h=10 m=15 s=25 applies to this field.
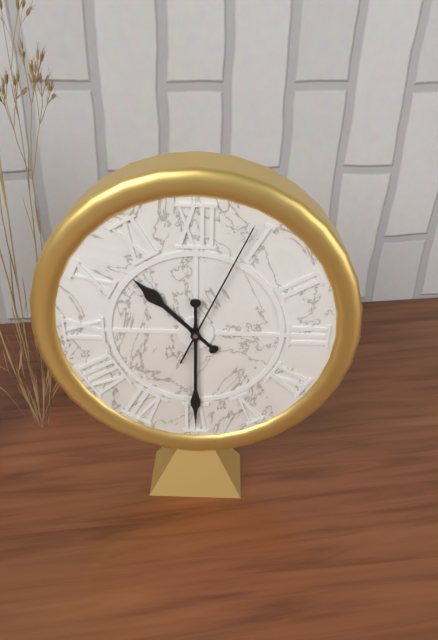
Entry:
h=10 m=30 s=4
